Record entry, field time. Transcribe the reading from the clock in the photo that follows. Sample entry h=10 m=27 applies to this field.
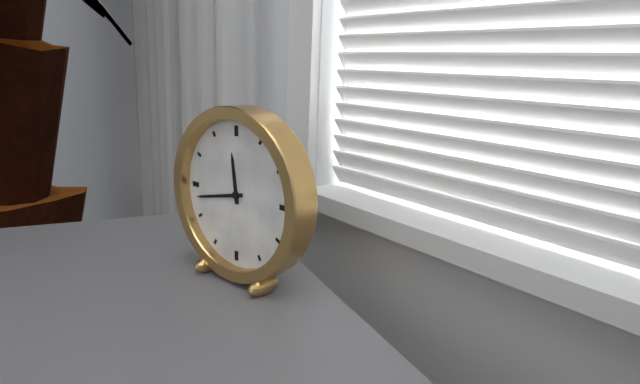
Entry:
h=11 m=43
